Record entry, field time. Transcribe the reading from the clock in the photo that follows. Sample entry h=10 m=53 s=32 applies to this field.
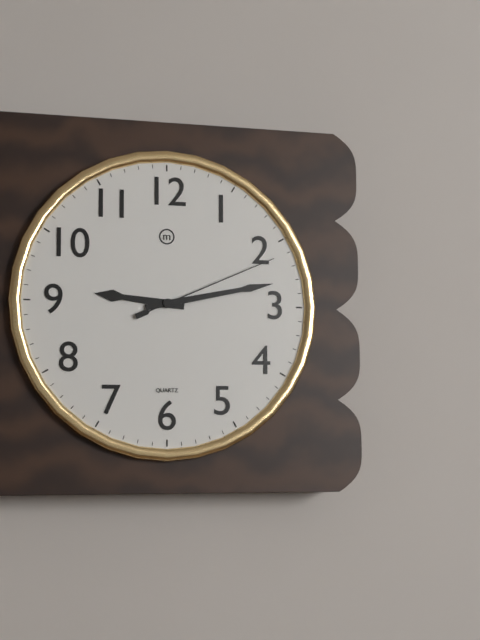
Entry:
h=9 m=13 s=11
